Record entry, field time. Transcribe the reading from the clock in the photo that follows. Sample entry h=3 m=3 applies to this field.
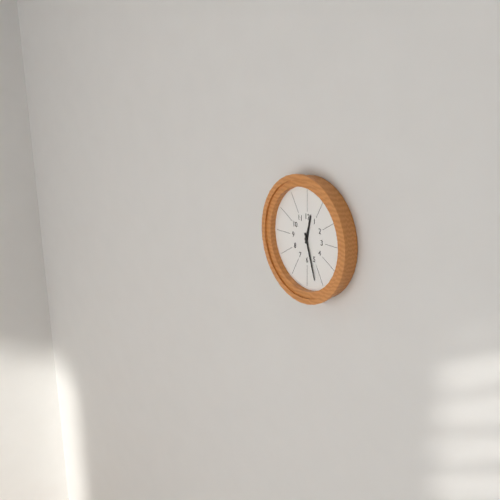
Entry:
h=12 m=27
